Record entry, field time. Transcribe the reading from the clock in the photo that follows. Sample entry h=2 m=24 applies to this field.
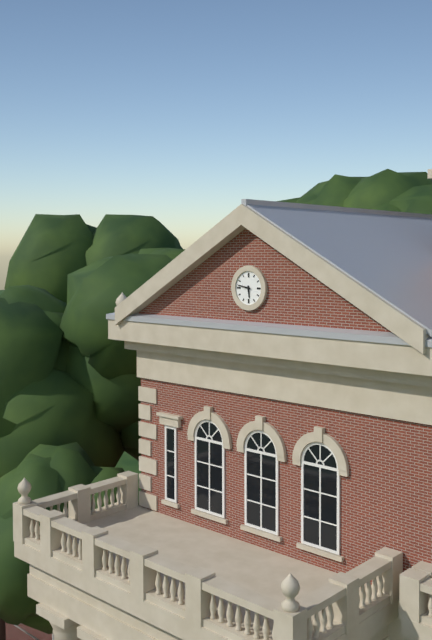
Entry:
h=5 m=47
